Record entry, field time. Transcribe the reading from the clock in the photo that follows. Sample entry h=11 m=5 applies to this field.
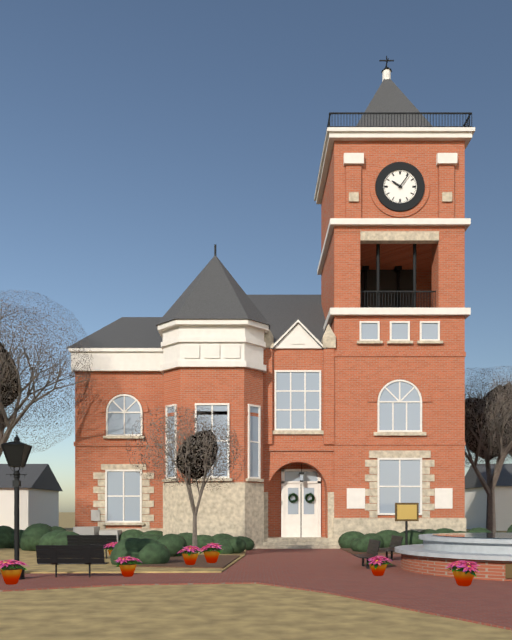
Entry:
h=10 m=6
